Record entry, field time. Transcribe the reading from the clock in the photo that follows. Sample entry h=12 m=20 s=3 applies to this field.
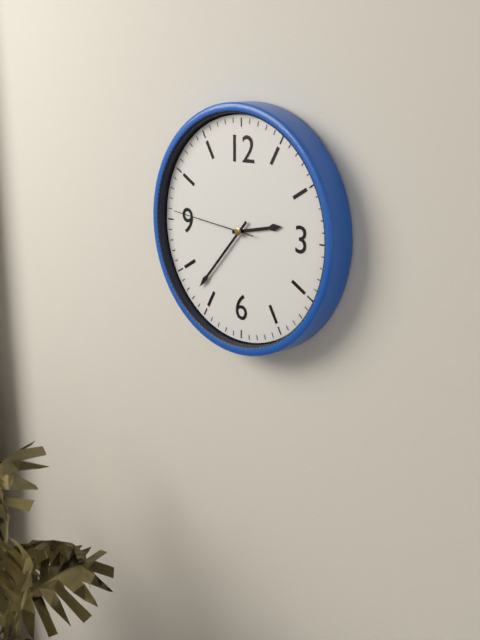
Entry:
h=2 m=37 s=46
